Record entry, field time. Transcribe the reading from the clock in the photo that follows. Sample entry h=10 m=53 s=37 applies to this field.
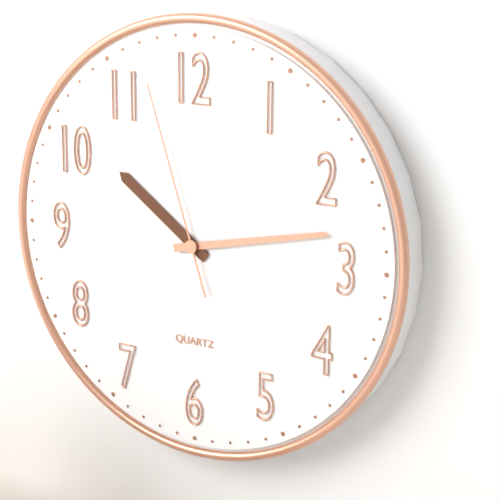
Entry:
h=10 m=13 s=57
